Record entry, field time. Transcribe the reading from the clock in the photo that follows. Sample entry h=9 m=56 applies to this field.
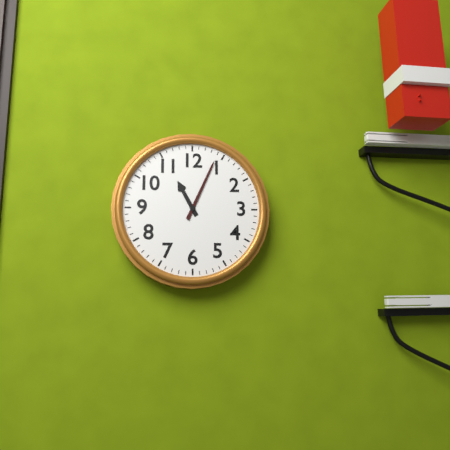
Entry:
h=11 m=4
